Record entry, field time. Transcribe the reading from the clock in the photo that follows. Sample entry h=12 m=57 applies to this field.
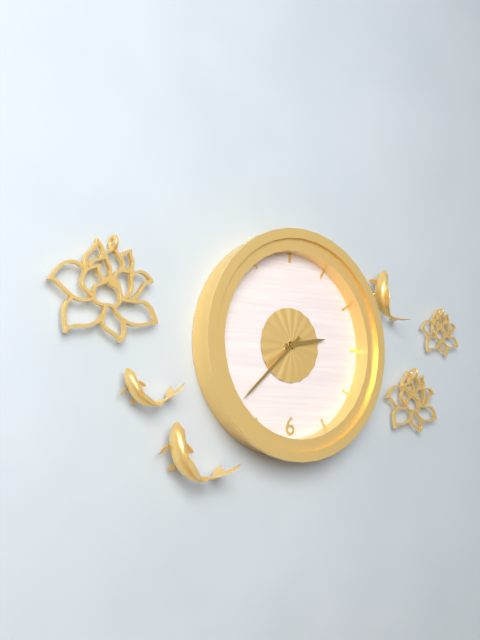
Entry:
h=2 m=38
